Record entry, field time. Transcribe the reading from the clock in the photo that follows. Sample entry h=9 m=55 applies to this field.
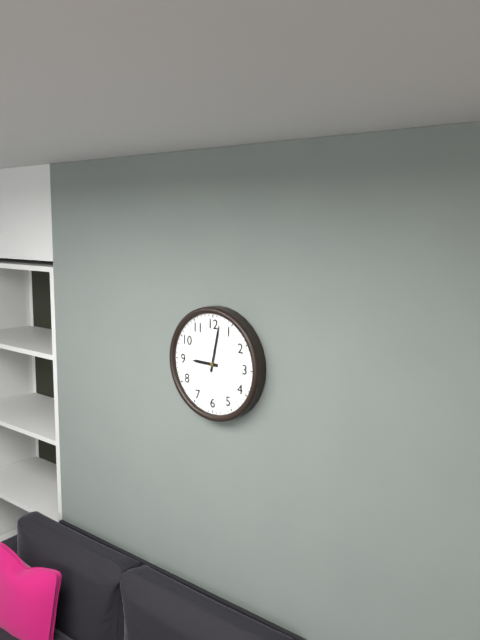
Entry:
h=9 m=2
